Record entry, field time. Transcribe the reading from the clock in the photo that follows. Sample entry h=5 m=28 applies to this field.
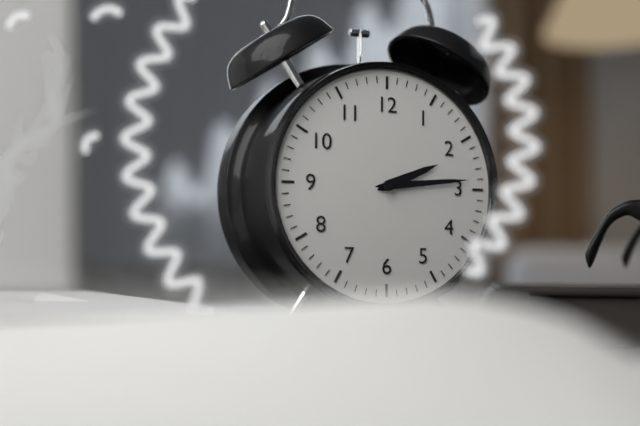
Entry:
h=2 m=14
